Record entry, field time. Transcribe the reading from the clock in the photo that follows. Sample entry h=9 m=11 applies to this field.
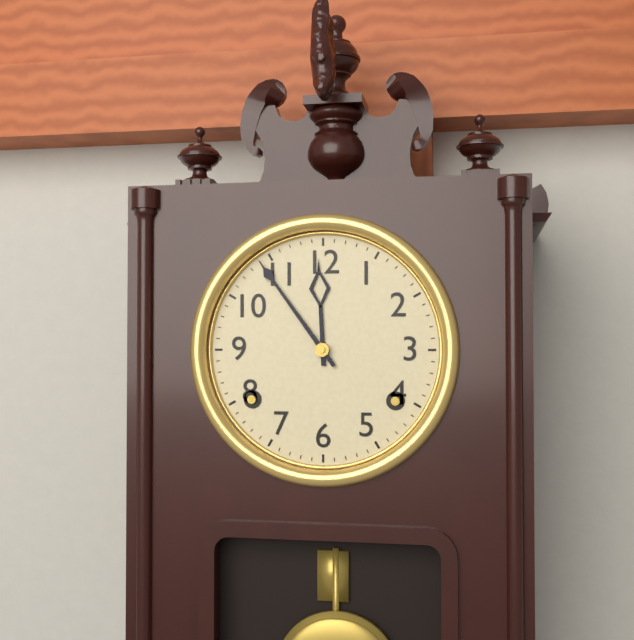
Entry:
h=11 m=54
